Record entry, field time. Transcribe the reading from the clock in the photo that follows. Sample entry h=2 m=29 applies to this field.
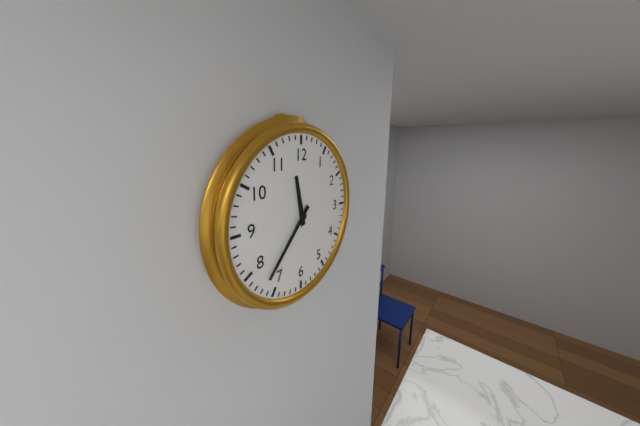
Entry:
h=11 m=37
